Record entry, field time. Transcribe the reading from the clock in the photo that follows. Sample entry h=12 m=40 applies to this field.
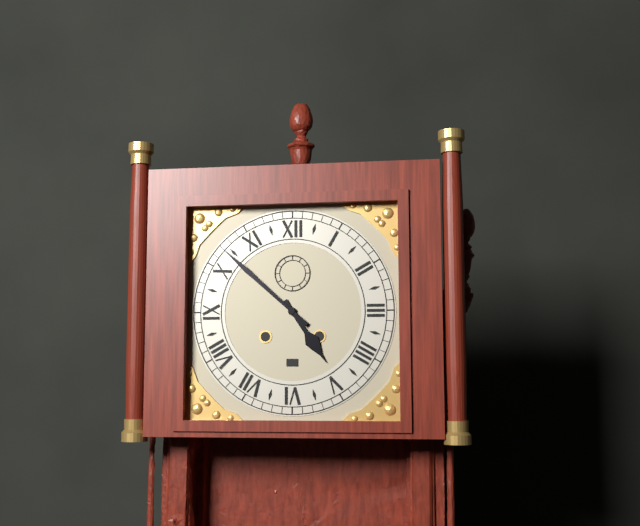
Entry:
h=4 m=52
